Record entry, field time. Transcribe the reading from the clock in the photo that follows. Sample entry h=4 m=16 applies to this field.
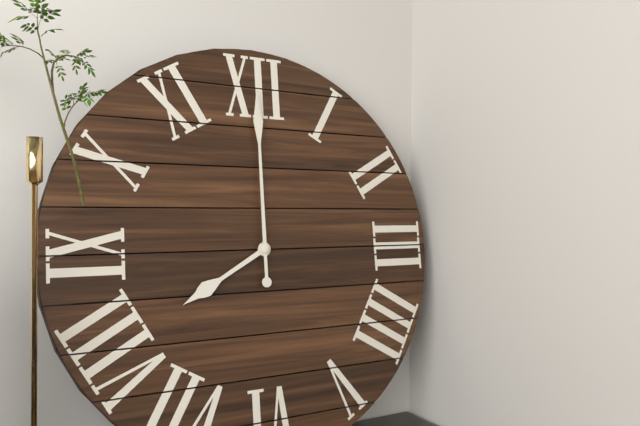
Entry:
h=8 m=0
